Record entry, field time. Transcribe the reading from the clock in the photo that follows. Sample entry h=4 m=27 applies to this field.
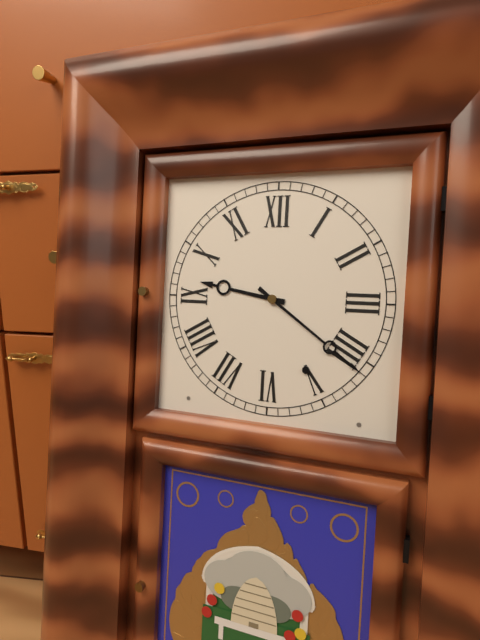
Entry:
h=9 m=21
